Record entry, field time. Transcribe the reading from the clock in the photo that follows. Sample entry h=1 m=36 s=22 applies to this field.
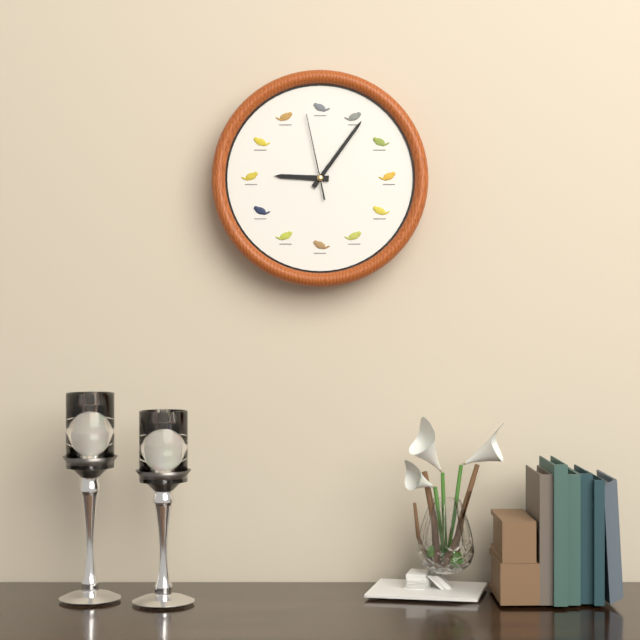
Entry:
h=9 m=6 s=58
